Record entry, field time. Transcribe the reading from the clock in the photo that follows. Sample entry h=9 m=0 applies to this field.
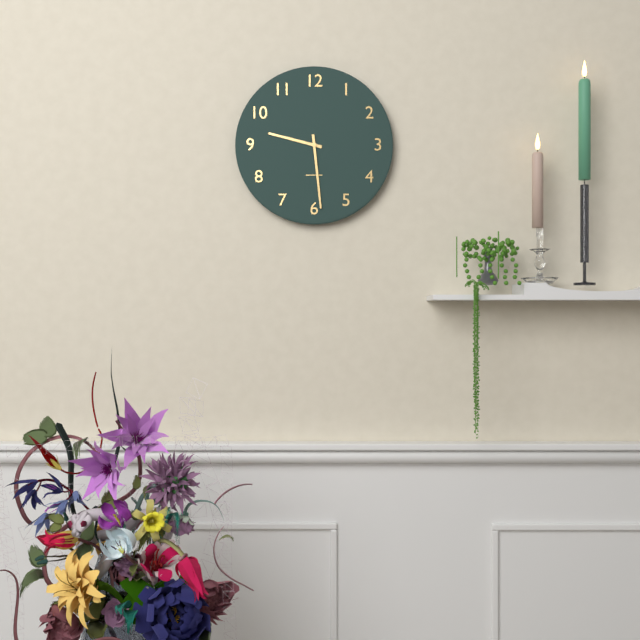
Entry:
h=9 m=29
